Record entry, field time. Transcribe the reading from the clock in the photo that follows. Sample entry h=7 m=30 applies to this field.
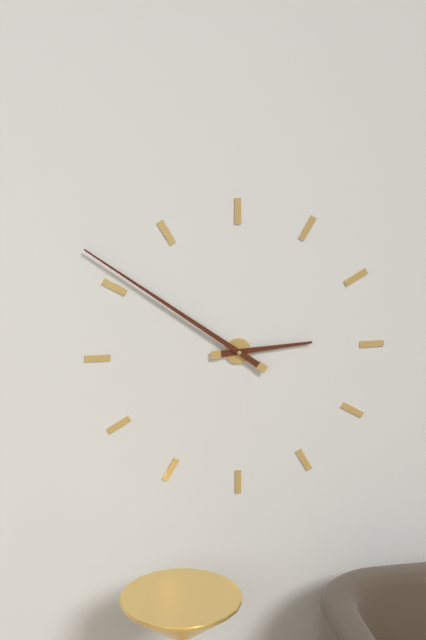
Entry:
h=2 m=51
